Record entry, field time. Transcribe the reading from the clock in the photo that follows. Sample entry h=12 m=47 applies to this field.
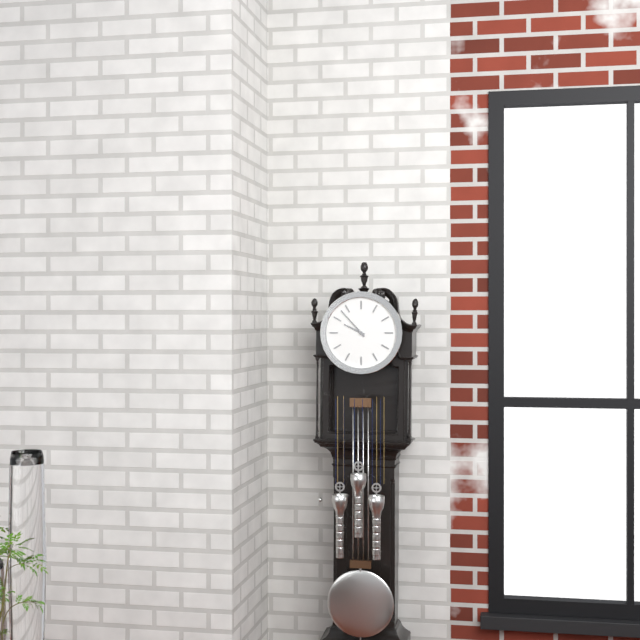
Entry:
h=9 m=53
